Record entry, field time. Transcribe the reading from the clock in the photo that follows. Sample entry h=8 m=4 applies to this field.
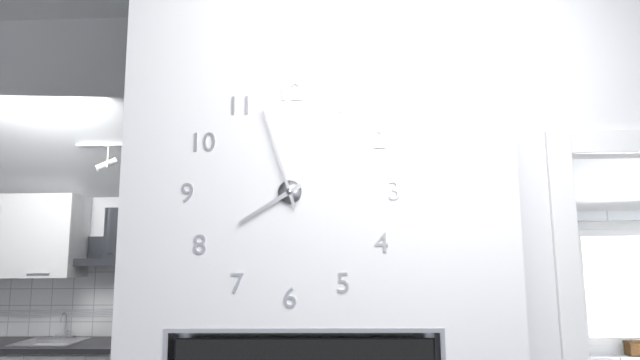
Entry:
h=7 m=57
